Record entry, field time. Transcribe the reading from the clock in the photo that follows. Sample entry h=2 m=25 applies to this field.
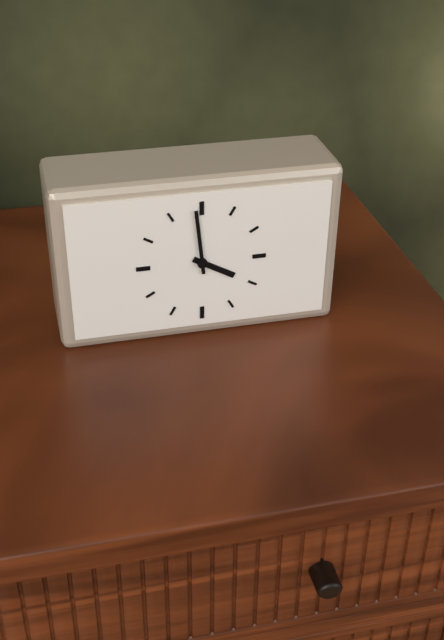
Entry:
h=3 m=59
